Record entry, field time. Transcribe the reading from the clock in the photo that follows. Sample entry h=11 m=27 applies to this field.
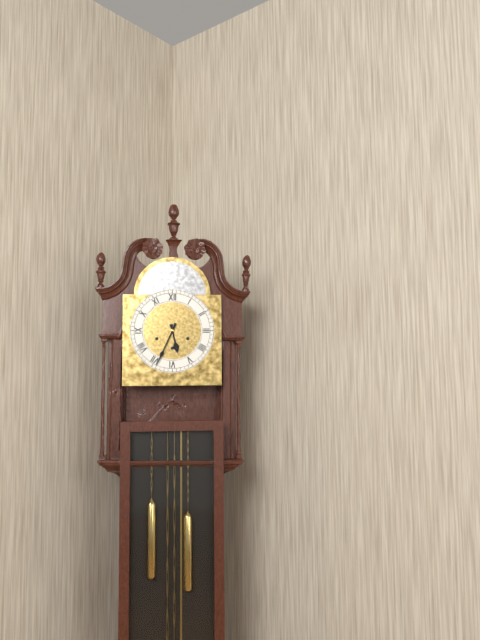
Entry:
h=5 m=34
